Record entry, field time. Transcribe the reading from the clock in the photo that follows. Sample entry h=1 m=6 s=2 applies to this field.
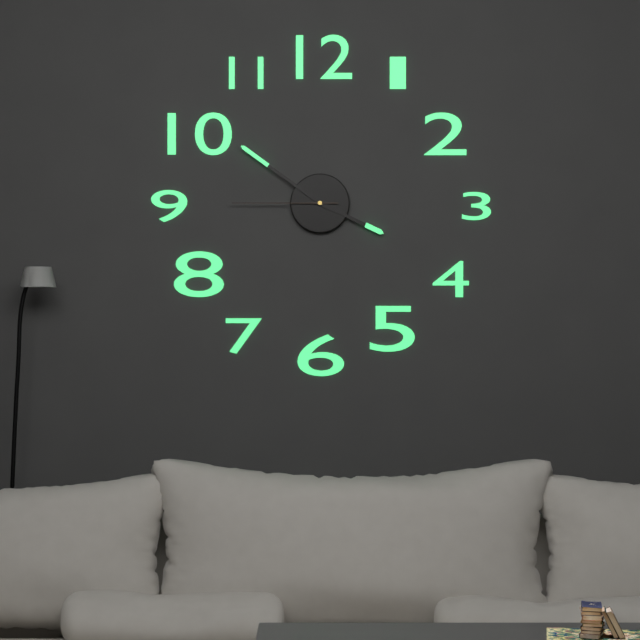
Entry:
h=3 m=51 s=45
